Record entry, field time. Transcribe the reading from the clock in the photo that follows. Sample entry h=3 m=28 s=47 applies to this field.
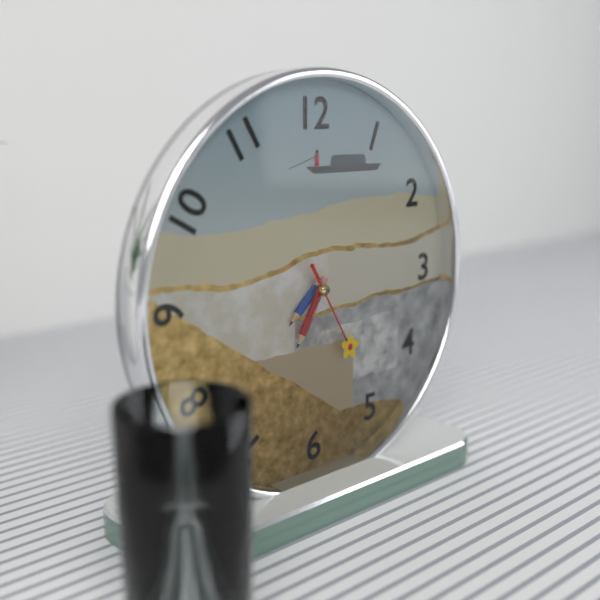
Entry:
h=7 m=35 s=25
